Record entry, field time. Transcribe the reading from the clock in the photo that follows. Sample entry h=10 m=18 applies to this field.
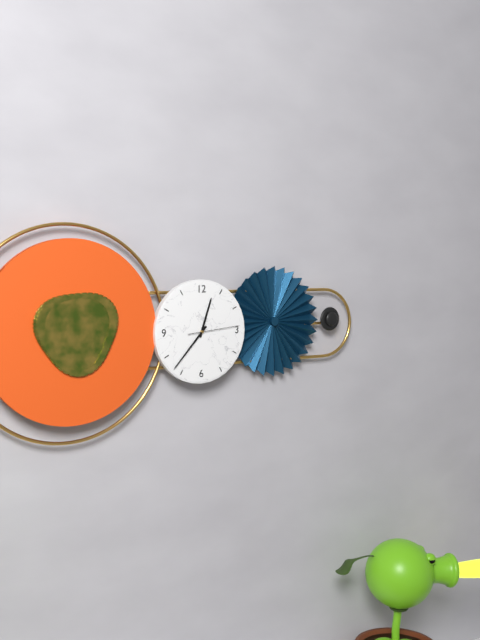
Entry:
h=12 m=37
